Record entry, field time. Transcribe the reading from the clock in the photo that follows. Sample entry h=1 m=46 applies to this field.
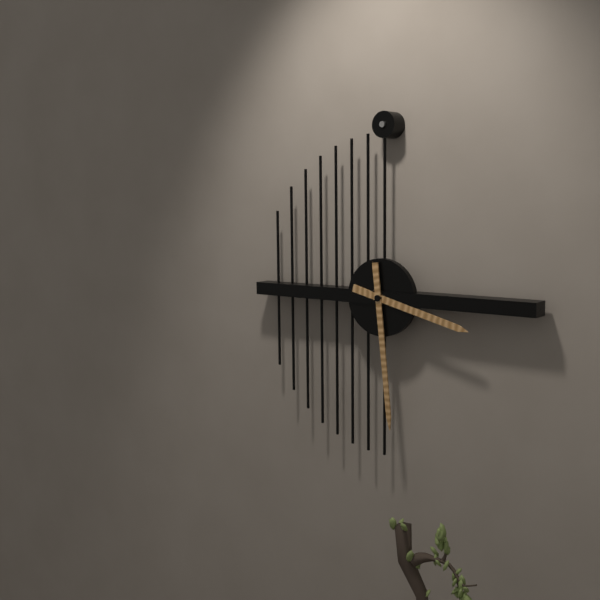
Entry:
h=3 m=29
